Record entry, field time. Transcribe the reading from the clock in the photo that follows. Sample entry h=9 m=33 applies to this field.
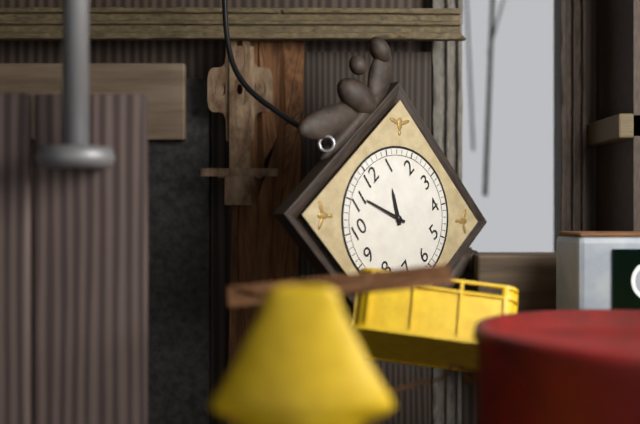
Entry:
h=12 m=56
